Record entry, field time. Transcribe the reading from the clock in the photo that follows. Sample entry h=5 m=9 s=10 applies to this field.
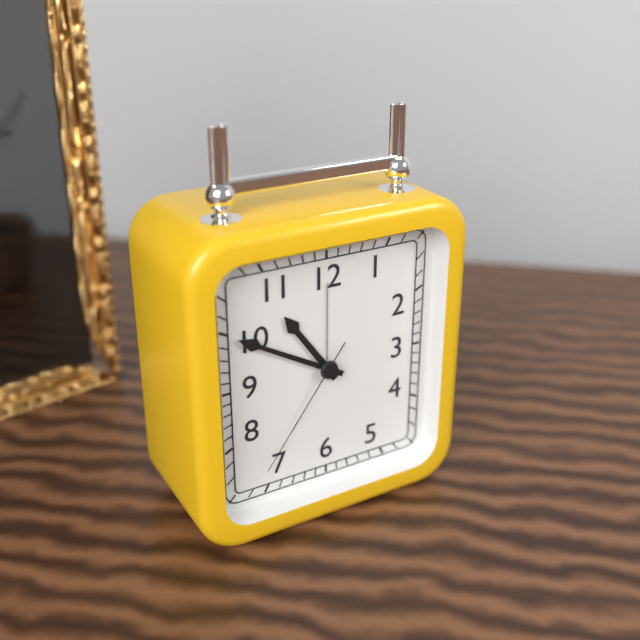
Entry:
h=10 m=50 s=36
